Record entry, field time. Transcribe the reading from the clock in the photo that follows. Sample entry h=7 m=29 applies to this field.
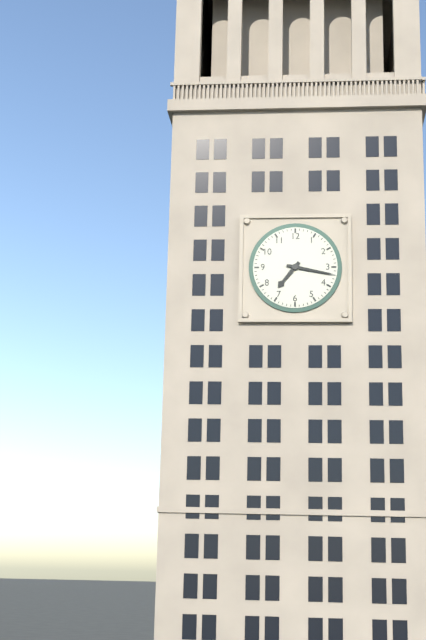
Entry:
h=7 m=17
